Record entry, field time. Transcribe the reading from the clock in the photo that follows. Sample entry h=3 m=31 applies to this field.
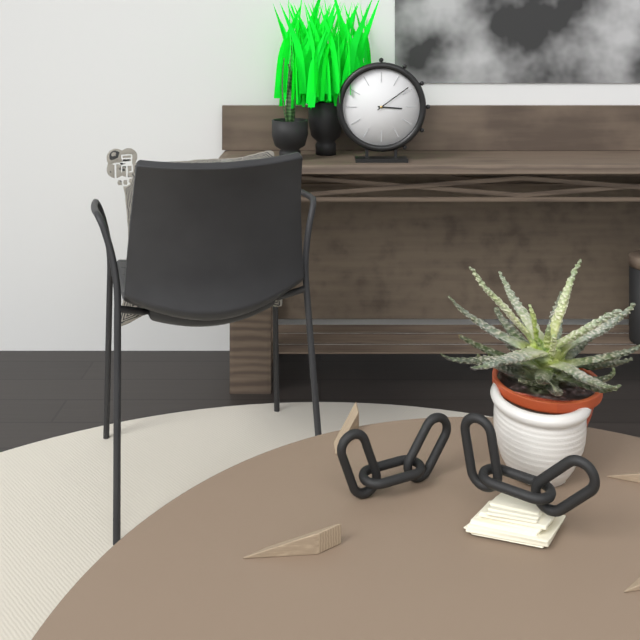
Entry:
h=3 m=9
